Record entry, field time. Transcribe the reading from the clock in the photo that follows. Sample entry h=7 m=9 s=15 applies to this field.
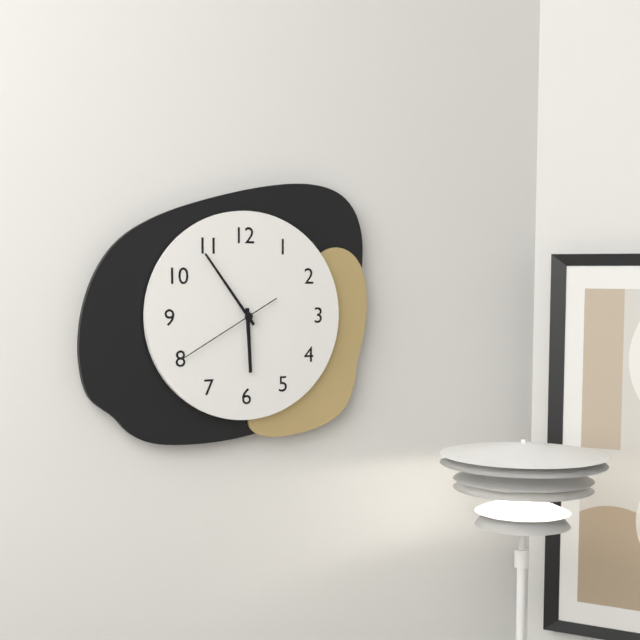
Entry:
h=5 m=54 s=40
